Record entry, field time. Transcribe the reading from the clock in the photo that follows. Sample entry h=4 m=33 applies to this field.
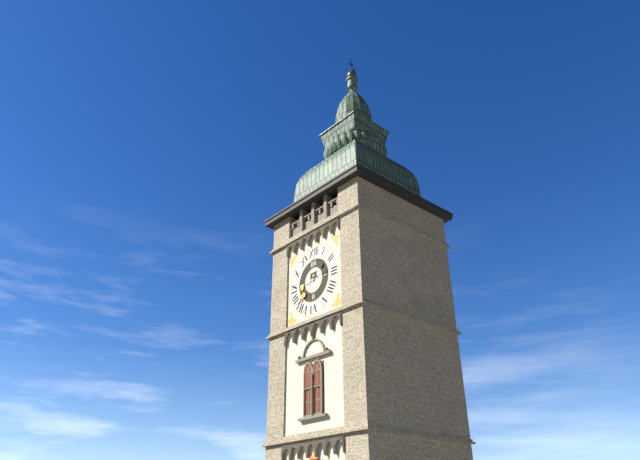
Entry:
h=8 m=38
